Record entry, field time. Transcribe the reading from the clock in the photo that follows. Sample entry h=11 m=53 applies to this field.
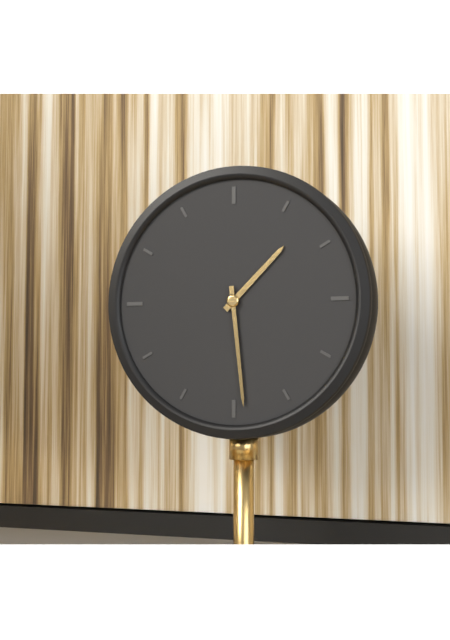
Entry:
h=1 m=29
